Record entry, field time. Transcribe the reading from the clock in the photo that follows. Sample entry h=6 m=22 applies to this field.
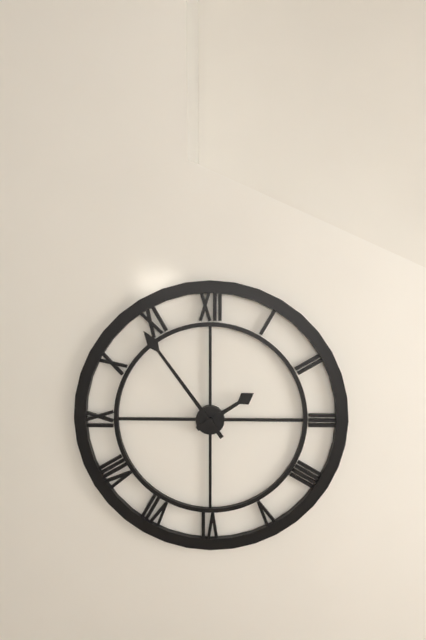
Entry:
h=1 m=54
